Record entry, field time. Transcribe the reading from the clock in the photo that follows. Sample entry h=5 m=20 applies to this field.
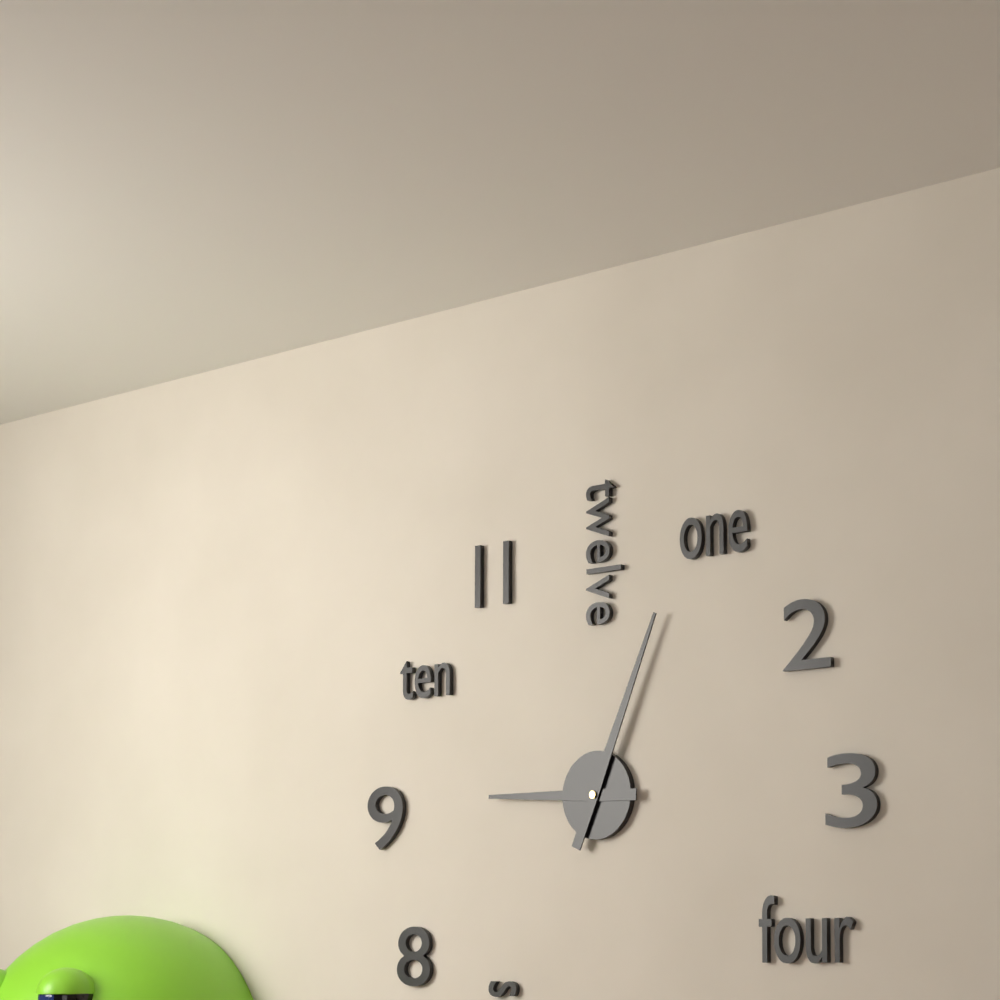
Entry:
h=9 m=4
